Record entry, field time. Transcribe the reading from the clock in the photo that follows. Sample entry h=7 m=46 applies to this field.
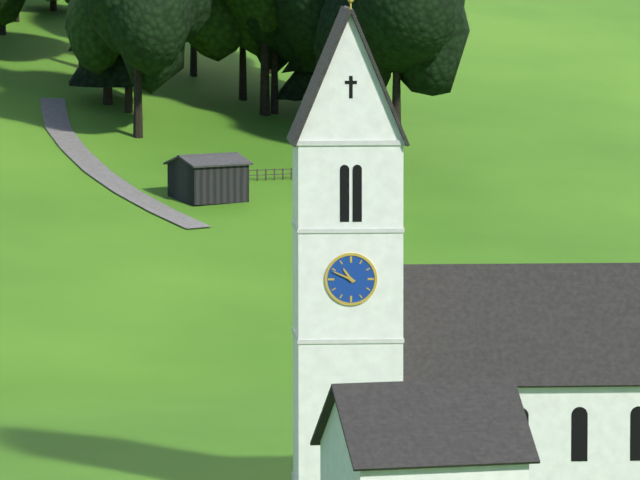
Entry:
h=10 m=49
